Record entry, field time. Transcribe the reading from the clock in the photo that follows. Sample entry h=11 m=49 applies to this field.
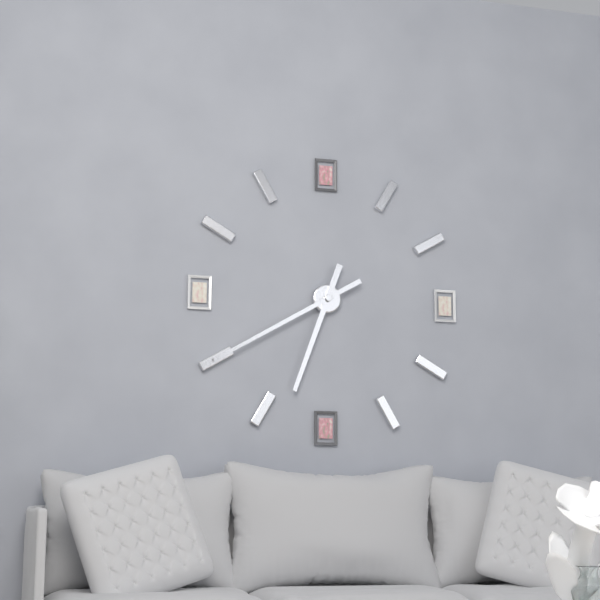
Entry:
h=6 m=40
